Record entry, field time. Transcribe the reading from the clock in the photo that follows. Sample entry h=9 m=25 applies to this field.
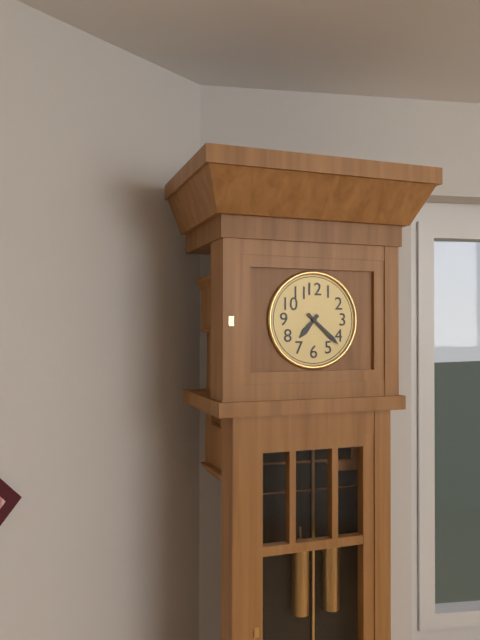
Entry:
h=7 m=22
